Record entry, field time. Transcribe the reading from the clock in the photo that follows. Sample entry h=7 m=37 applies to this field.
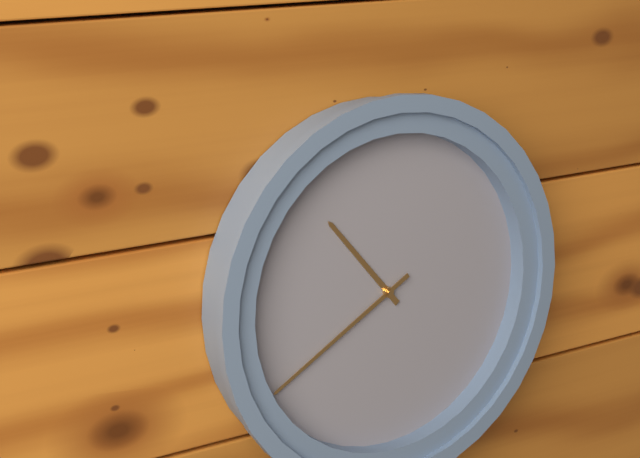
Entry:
h=10 m=40
